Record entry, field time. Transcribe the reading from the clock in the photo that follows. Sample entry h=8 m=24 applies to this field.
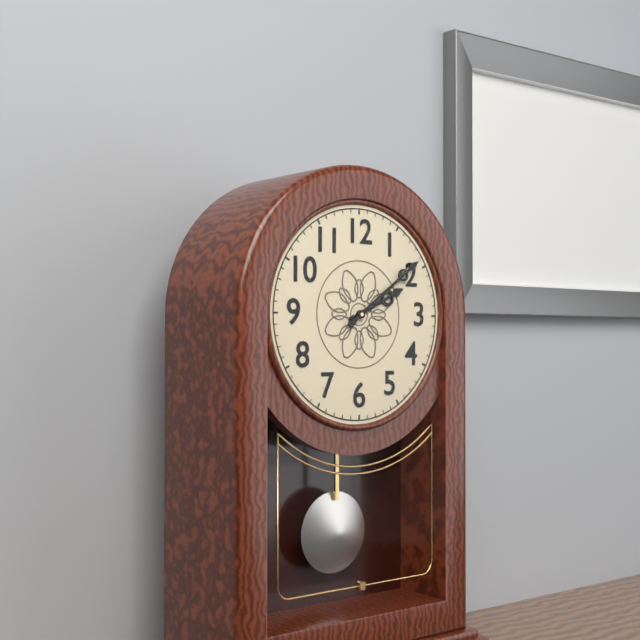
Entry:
h=2 m=9
